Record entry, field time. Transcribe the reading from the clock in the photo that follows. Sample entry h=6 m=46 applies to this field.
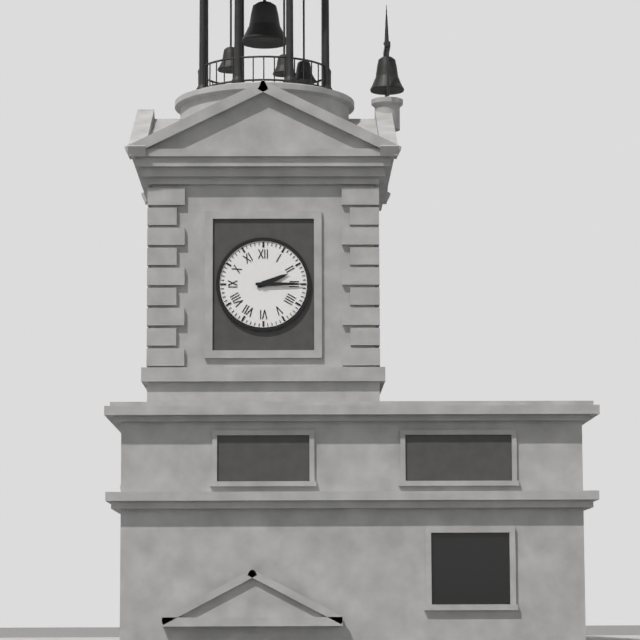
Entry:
h=2 m=15
